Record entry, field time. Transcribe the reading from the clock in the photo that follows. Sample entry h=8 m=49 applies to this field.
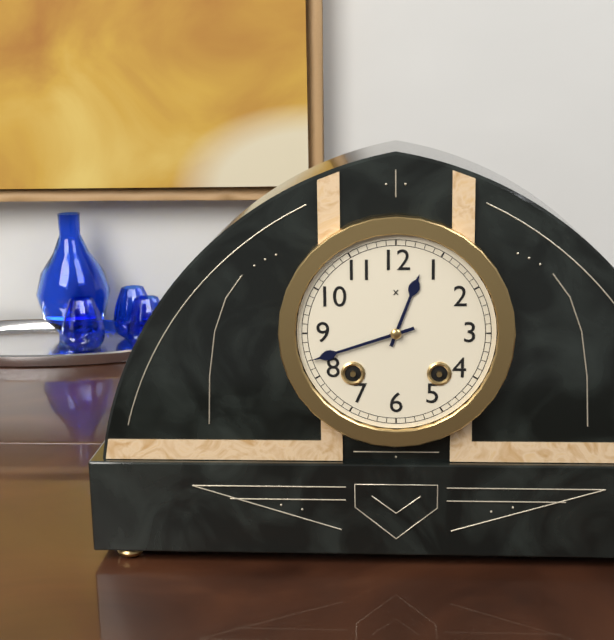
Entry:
h=12 m=42
